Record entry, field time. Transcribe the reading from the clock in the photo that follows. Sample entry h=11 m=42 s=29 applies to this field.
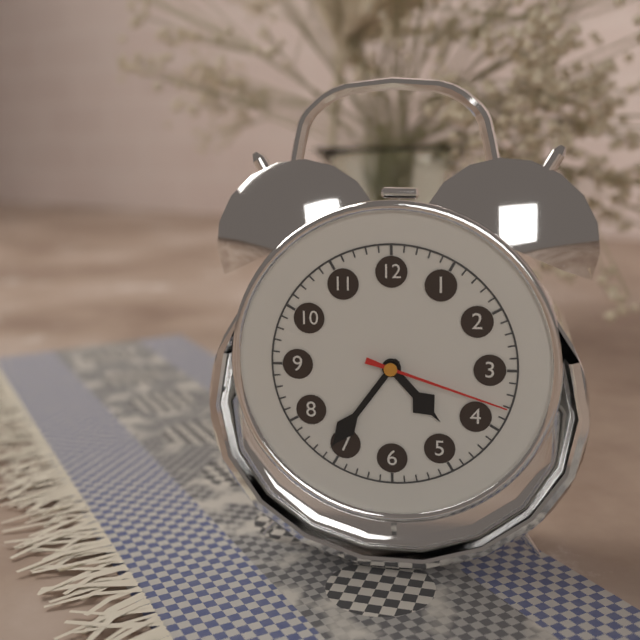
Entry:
h=4 m=36 s=18
